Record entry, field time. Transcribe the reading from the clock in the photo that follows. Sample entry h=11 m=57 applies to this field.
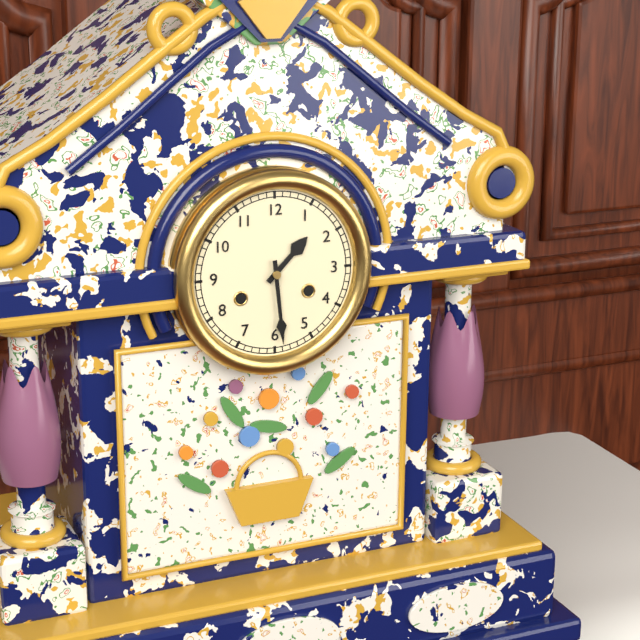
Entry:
h=1 m=29
